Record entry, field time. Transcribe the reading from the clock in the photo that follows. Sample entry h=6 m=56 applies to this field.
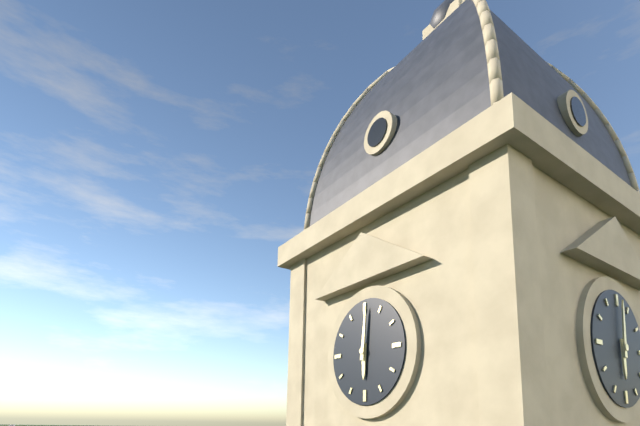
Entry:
h=6 m=1
